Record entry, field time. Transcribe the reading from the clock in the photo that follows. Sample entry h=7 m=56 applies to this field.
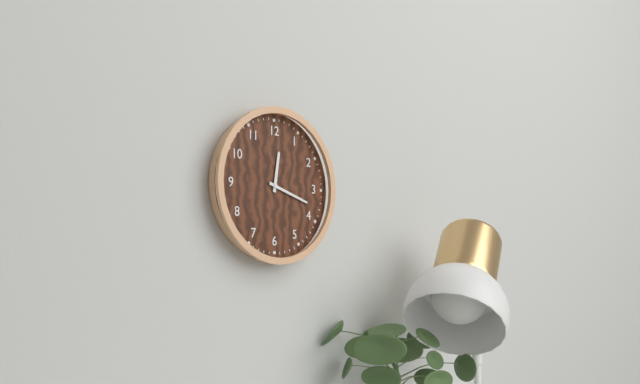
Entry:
h=12 m=18
